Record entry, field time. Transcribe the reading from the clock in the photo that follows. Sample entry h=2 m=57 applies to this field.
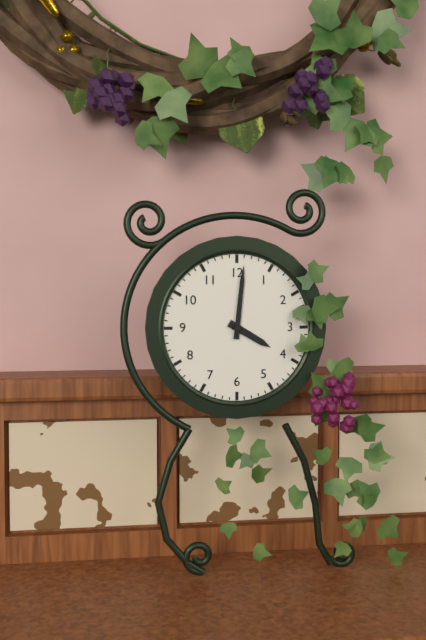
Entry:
h=4 m=1
